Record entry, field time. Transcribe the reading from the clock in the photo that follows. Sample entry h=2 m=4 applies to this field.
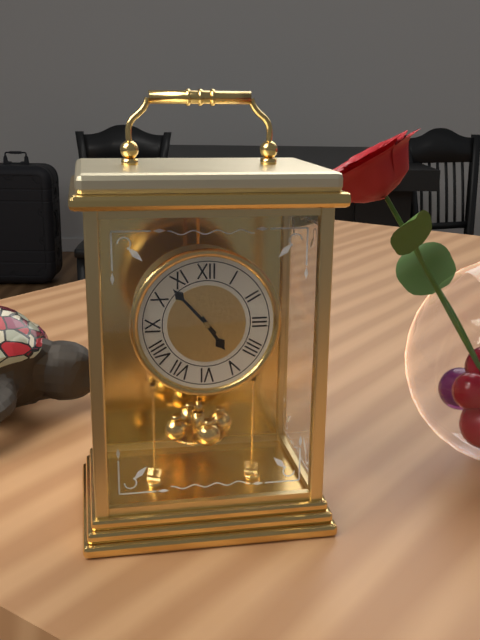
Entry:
h=4 m=53
